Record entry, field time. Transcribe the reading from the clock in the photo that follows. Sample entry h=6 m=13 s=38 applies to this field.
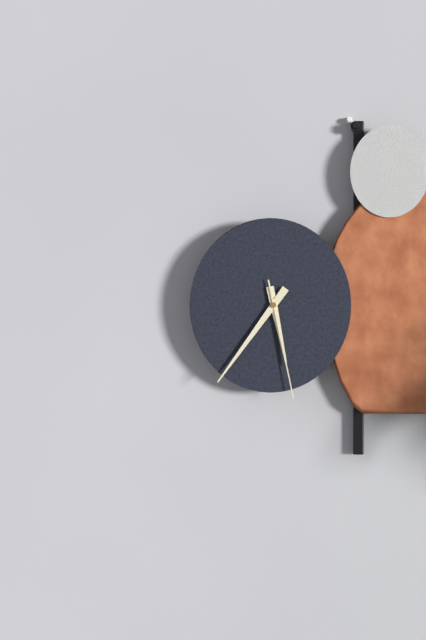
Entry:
h=5 m=36 s=28
